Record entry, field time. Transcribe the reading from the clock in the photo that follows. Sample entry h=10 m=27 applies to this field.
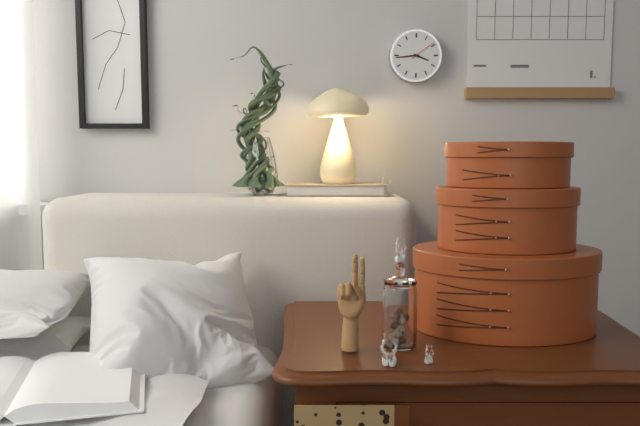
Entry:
h=3 m=44
